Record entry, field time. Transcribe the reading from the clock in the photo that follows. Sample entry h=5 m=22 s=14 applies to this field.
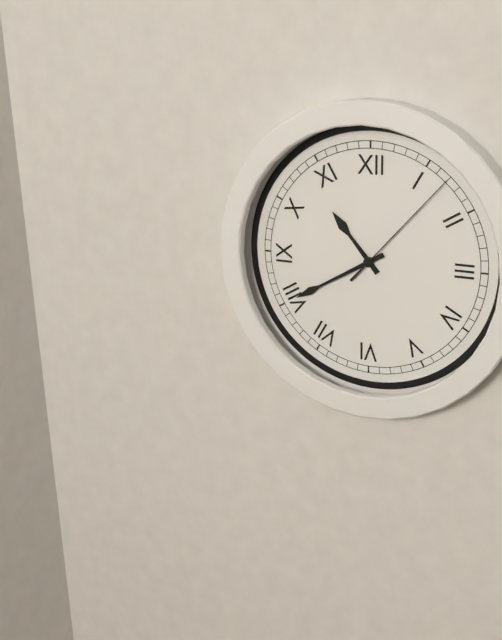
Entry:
h=10 m=40 s=7
